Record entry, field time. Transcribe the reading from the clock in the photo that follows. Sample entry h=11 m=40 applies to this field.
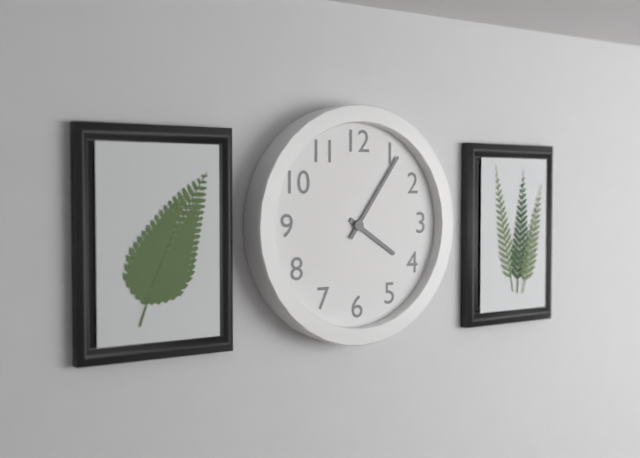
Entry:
h=4 m=6
